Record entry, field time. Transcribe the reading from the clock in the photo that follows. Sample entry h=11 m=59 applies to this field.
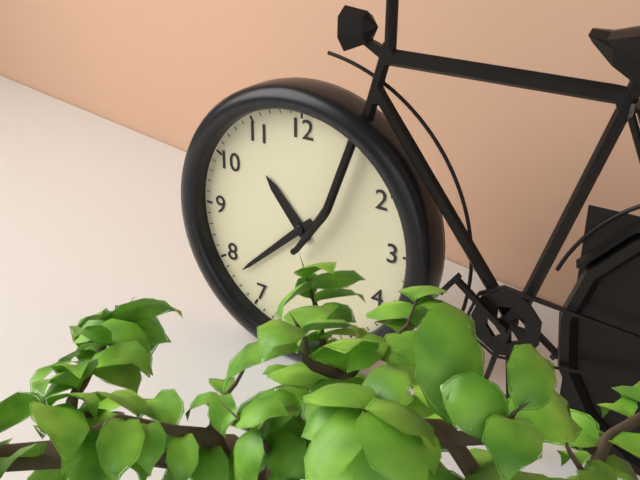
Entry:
h=10 m=38
